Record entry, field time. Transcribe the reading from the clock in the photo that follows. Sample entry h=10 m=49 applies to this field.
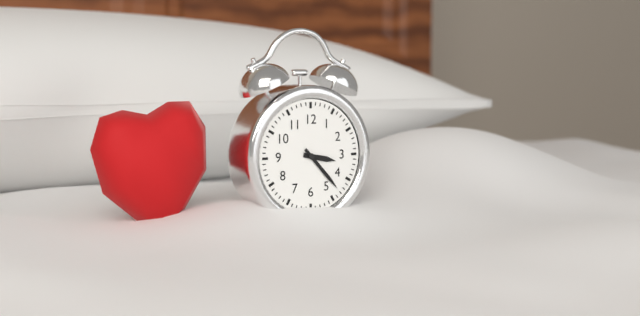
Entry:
h=3 m=23
